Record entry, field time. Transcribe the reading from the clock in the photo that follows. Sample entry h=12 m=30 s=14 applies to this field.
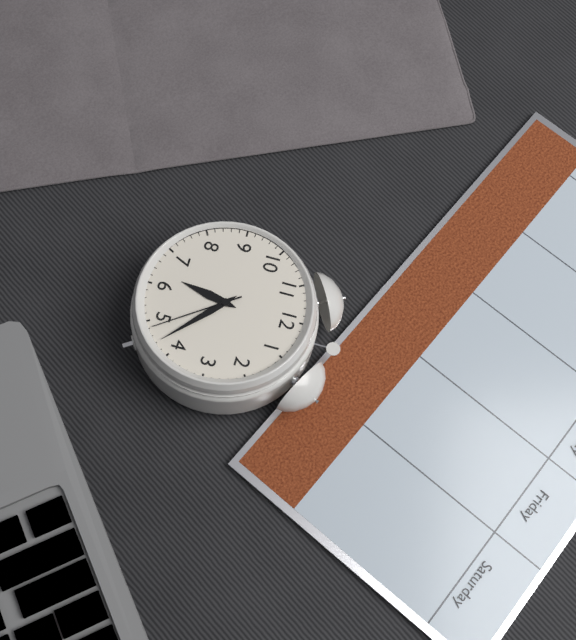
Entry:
h=6 m=22 s=24
